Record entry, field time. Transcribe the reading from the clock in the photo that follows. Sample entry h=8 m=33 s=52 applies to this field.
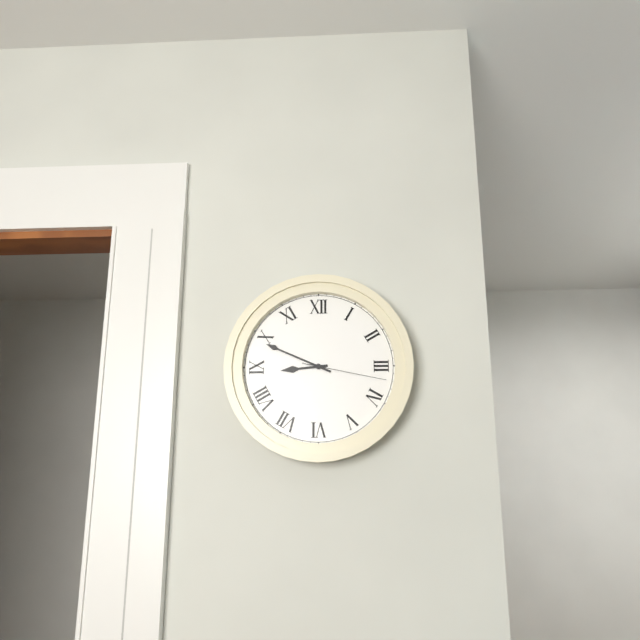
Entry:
h=8 m=49 s=17
